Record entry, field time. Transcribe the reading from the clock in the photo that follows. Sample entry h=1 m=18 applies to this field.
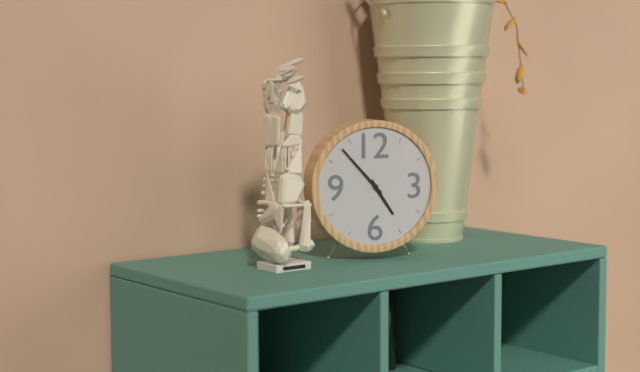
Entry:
h=4 m=53
